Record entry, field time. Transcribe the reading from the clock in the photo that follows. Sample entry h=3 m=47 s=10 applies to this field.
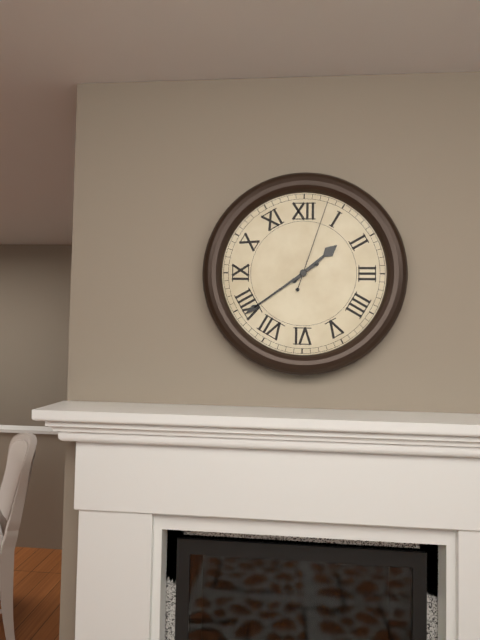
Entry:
h=1 m=39 s=3
